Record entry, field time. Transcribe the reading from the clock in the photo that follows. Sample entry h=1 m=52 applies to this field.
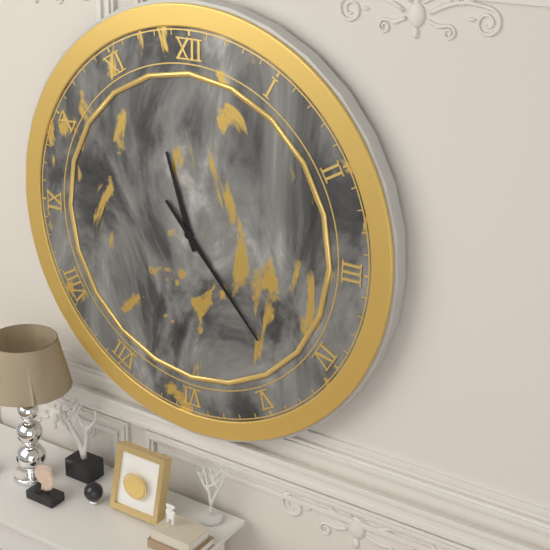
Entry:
h=11 m=23
